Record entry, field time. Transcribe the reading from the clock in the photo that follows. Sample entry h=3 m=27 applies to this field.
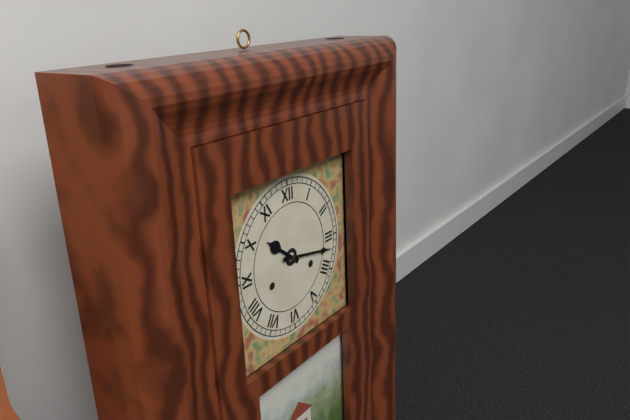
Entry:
h=10 m=17
